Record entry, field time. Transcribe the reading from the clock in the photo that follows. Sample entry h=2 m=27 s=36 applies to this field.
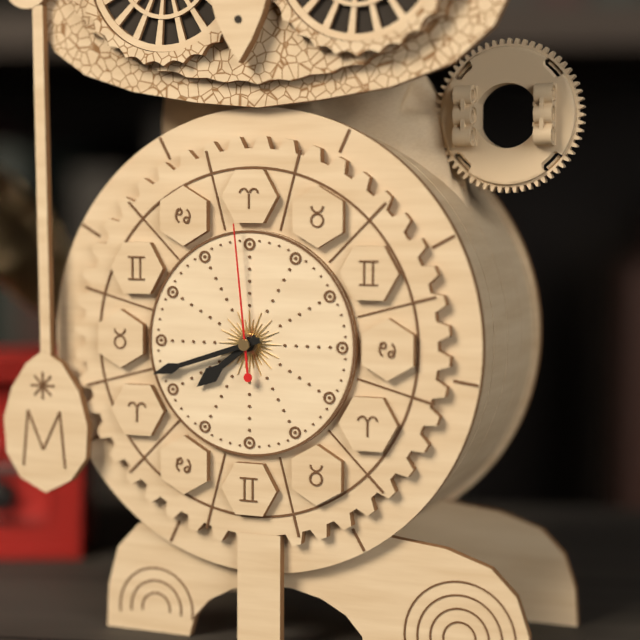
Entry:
h=7 m=42 s=59
